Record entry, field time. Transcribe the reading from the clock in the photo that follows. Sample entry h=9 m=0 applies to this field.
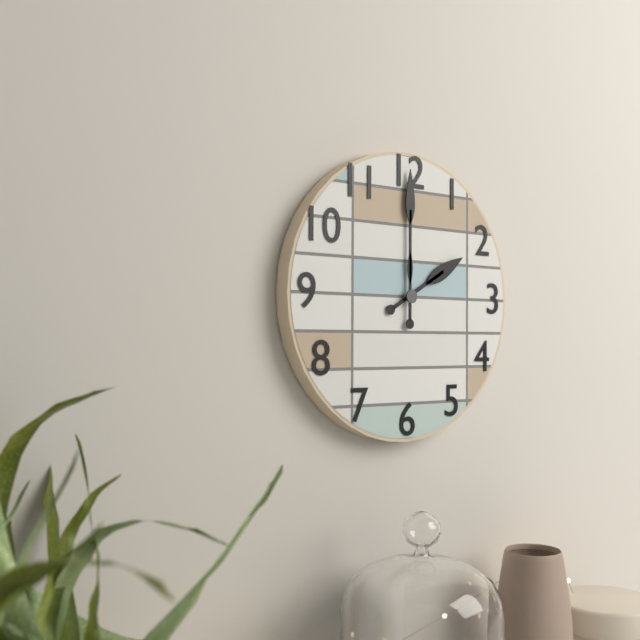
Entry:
h=2 m=0
